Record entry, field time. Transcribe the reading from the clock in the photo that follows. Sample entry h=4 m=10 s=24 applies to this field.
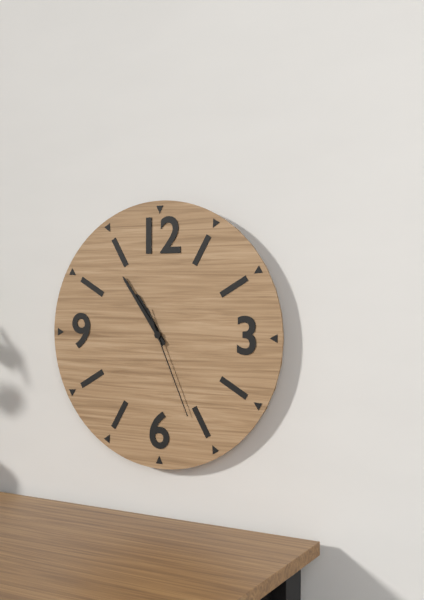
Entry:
h=10 m=54 s=26
